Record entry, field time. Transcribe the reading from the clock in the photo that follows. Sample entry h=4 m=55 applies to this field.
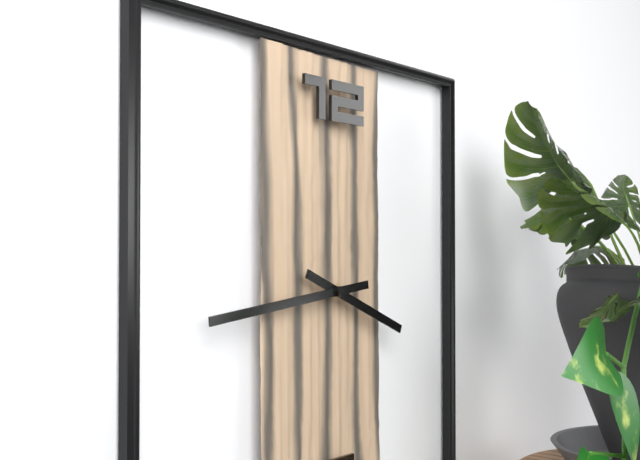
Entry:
h=3 m=44
